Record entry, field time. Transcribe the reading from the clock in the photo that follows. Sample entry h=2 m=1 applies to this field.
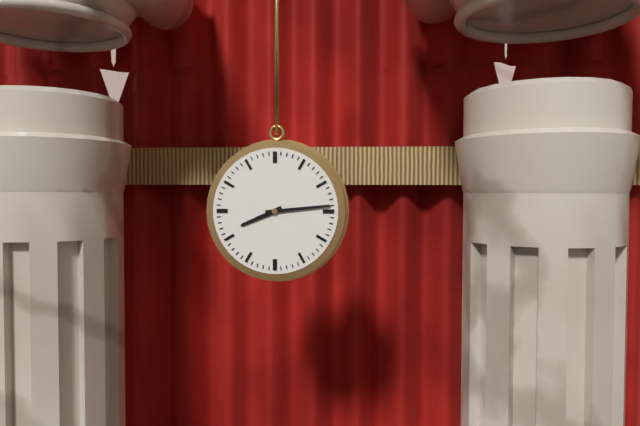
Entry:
h=8 m=14
